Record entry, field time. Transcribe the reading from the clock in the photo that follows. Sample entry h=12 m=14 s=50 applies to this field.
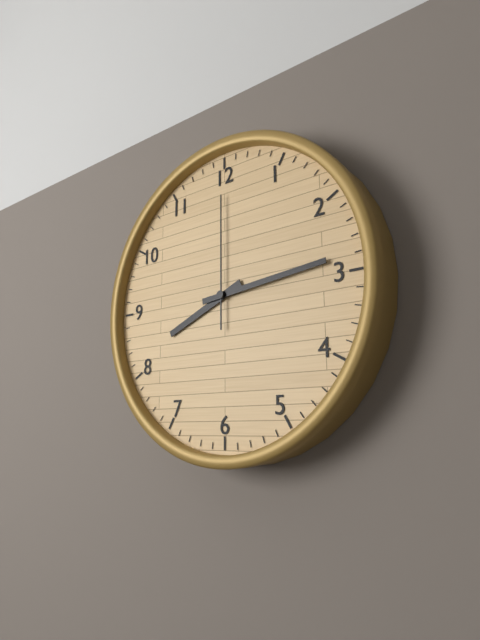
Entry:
h=8 m=14 s=0
